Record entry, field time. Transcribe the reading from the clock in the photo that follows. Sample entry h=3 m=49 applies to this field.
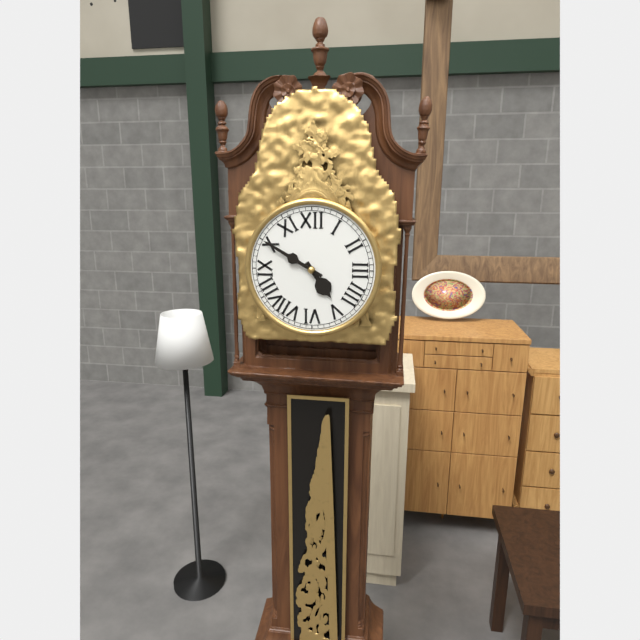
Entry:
h=4 m=50
